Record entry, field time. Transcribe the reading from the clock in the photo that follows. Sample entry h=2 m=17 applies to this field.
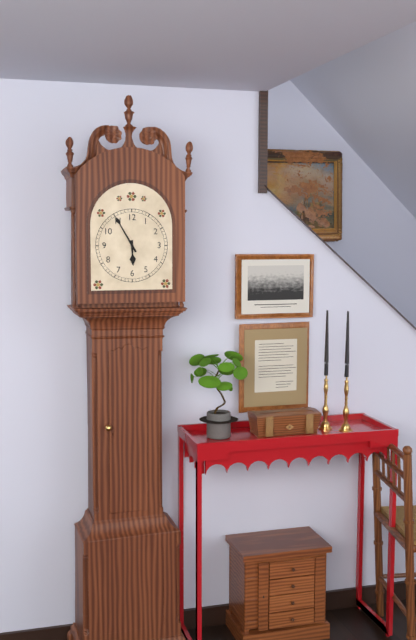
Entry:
h=5 m=55
